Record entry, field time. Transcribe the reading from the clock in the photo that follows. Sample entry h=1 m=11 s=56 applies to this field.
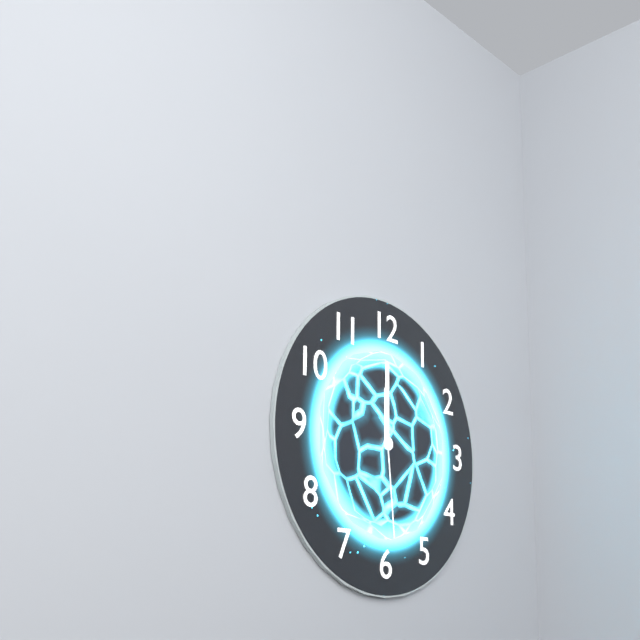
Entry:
h=12 m=0 s=29
